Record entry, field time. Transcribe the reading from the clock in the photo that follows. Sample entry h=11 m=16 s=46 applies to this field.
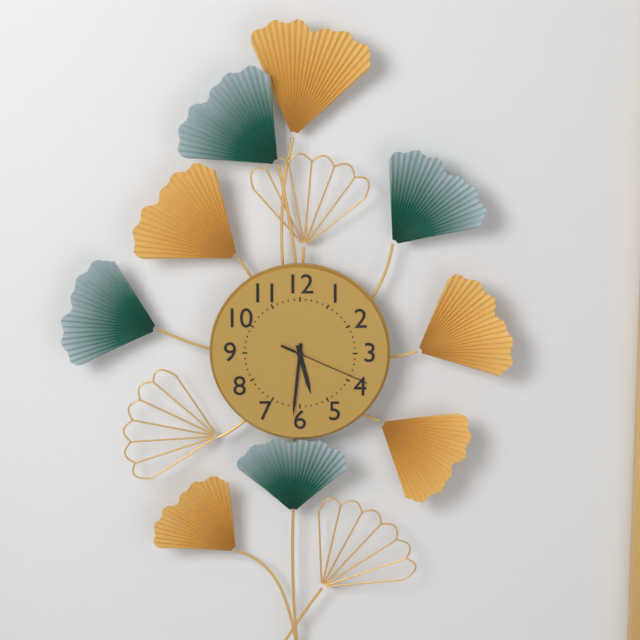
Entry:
h=5 m=31 s=19
